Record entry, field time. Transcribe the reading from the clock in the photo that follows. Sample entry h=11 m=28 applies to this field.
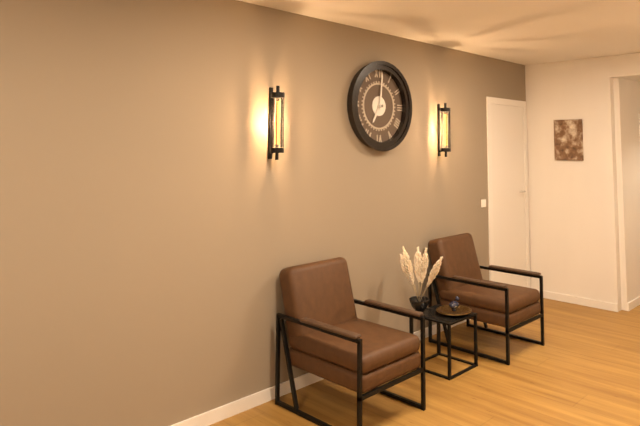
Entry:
h=7 m=1
